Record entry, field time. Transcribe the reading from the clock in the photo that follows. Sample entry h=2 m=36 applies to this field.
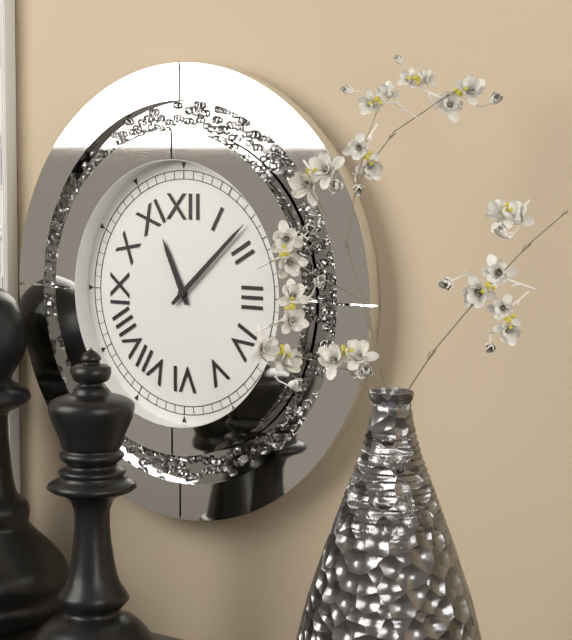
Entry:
h=11 m=8
